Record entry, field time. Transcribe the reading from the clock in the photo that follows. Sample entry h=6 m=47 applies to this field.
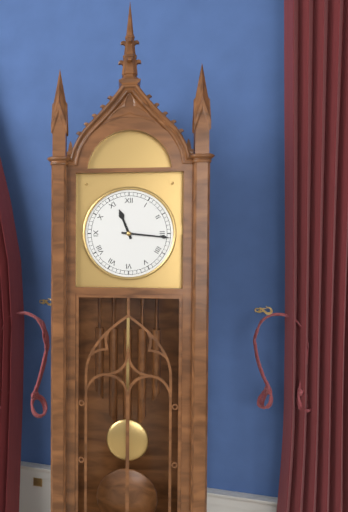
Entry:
h=11 m=16
